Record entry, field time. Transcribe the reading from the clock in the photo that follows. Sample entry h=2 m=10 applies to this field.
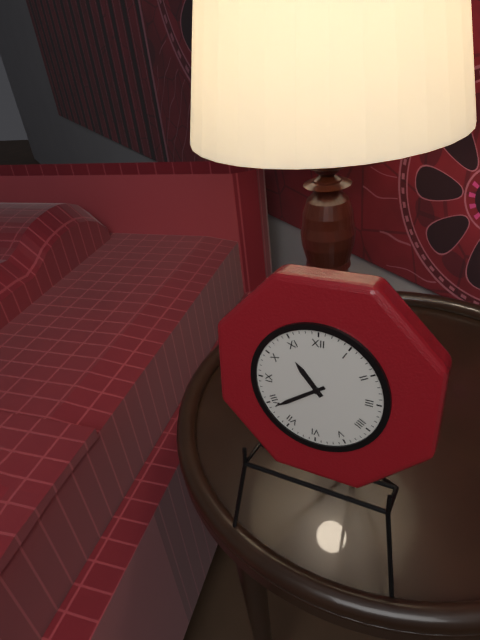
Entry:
h=10 m=39
